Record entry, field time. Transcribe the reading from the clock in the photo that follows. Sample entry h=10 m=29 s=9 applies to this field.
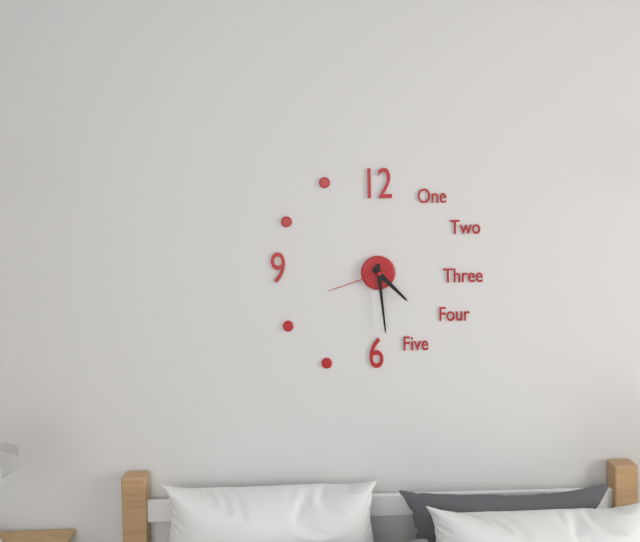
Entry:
h=4 m=29 s=42
